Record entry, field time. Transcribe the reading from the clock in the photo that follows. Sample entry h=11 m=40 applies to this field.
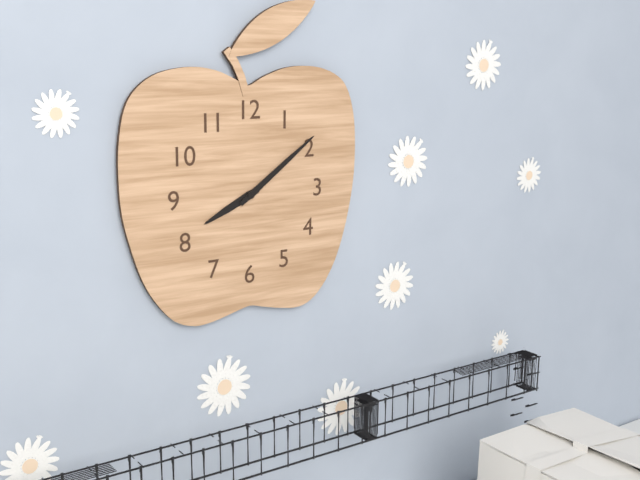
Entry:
h=8 m=9
